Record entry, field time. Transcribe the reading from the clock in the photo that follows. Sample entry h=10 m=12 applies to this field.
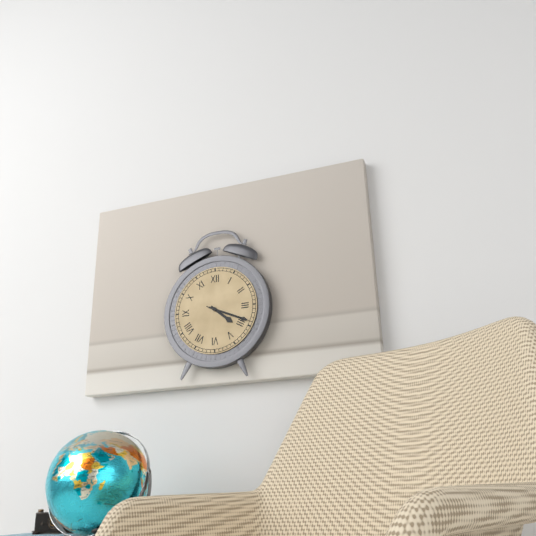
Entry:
h=4 m=19
